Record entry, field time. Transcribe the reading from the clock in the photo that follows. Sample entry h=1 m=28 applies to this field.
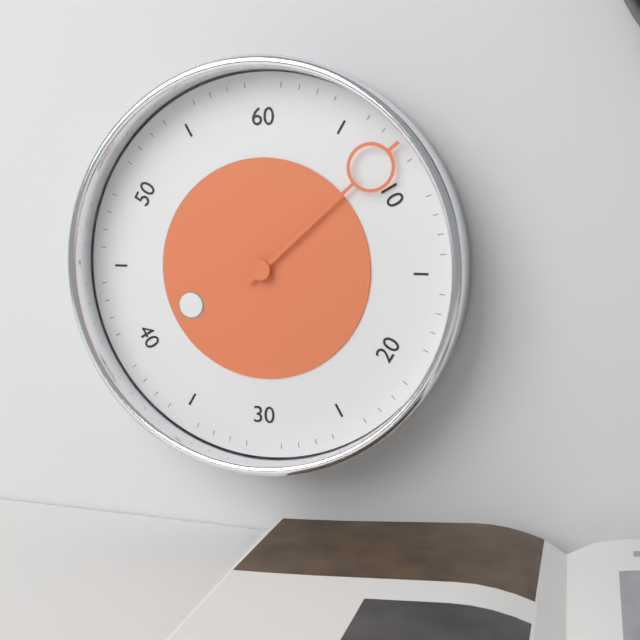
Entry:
h=8 m=8
